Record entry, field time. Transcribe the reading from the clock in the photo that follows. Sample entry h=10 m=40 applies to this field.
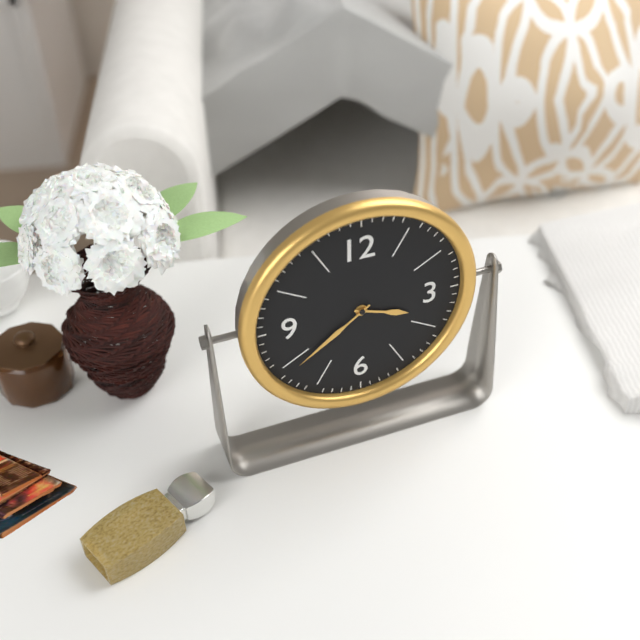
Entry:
h=3 m=39
